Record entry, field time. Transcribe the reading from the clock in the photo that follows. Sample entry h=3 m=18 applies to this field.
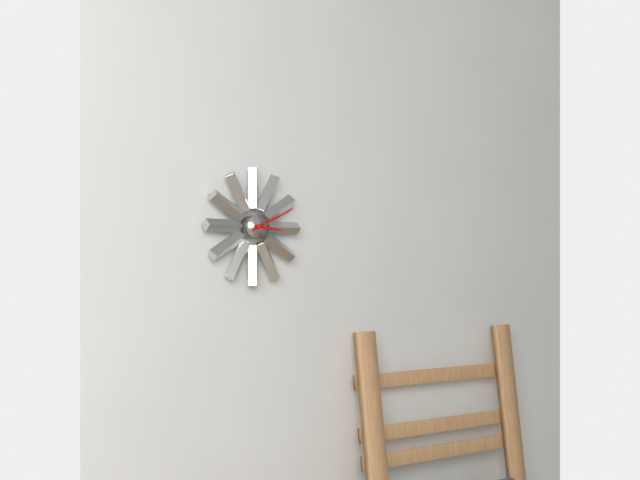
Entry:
h=3 m=11
